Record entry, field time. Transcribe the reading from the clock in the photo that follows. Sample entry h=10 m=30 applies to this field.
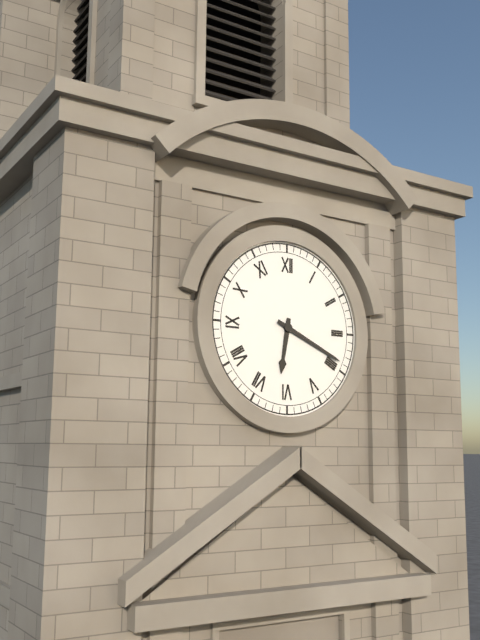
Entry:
h=6 m=19
